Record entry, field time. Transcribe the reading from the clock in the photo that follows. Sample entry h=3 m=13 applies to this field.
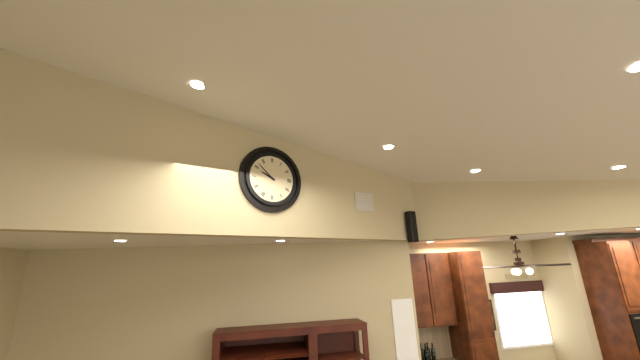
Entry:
h=9 m=52
